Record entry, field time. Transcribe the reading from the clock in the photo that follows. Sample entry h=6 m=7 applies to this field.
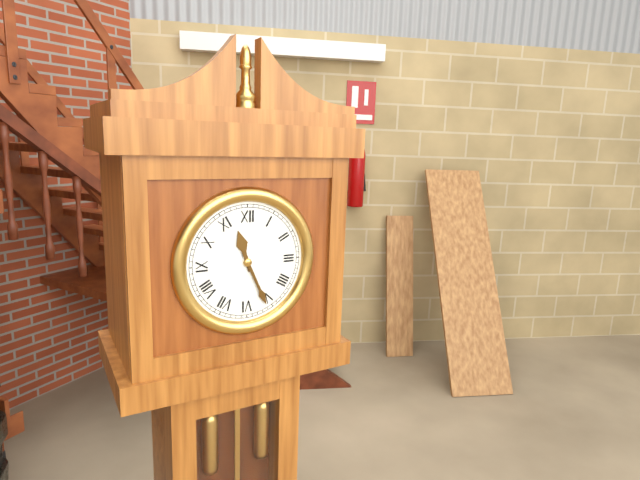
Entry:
h=11 m=26
